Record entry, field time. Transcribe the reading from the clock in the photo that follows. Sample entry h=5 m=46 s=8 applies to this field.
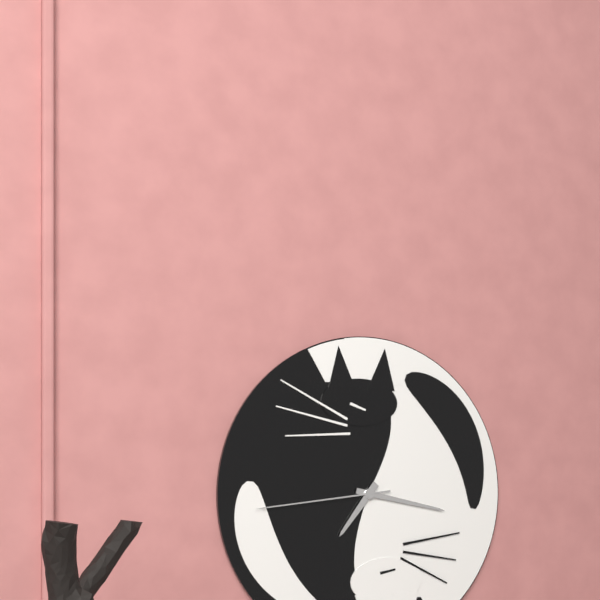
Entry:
h=7 m=17 s=44
